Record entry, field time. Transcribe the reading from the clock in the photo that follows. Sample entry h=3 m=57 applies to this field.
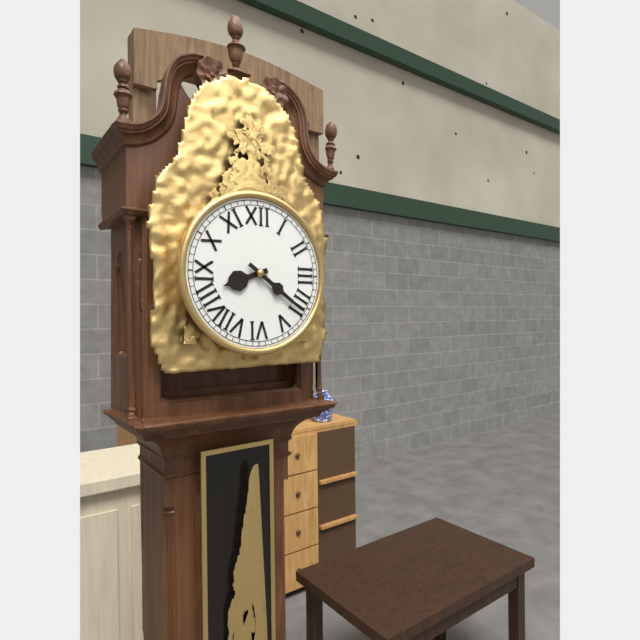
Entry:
h=8 m=21
